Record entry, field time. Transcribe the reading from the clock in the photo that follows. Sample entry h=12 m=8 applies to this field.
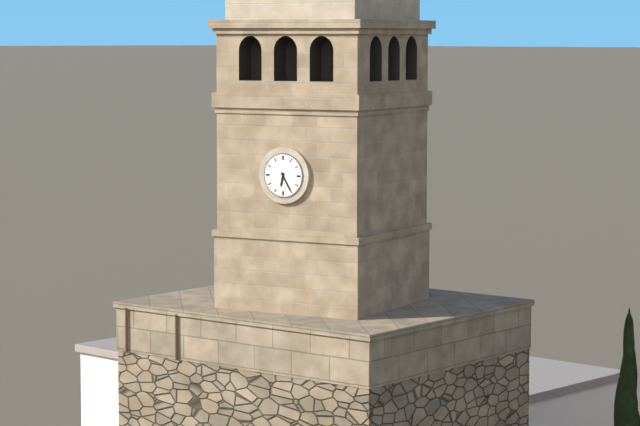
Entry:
h=6 m=25
